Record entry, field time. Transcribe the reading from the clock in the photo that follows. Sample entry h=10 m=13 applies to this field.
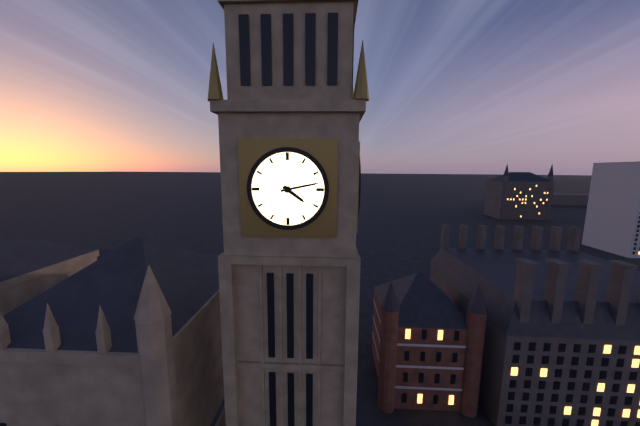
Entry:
h=4 m=13
